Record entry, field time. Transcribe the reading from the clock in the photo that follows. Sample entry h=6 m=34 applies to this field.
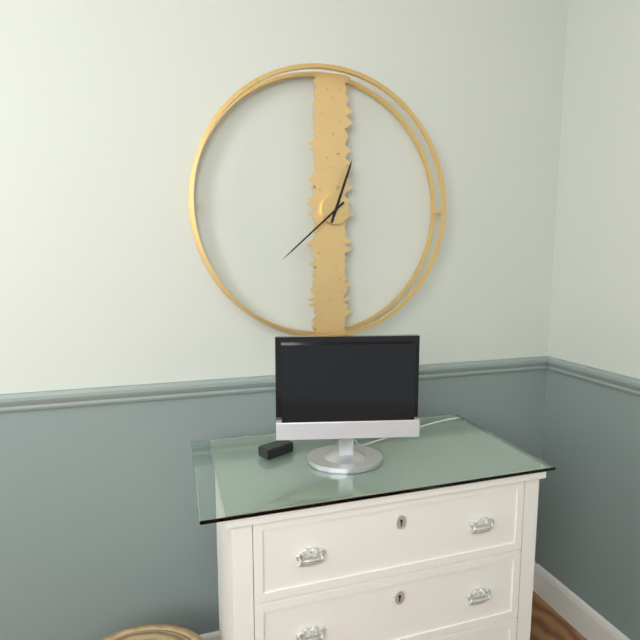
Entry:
h=12 m=38
